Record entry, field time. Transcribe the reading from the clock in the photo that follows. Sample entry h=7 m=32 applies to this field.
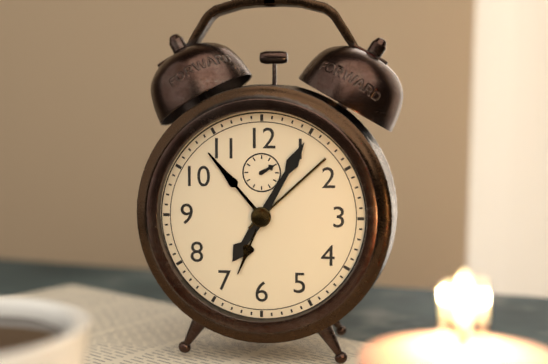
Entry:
h=7 m=5
